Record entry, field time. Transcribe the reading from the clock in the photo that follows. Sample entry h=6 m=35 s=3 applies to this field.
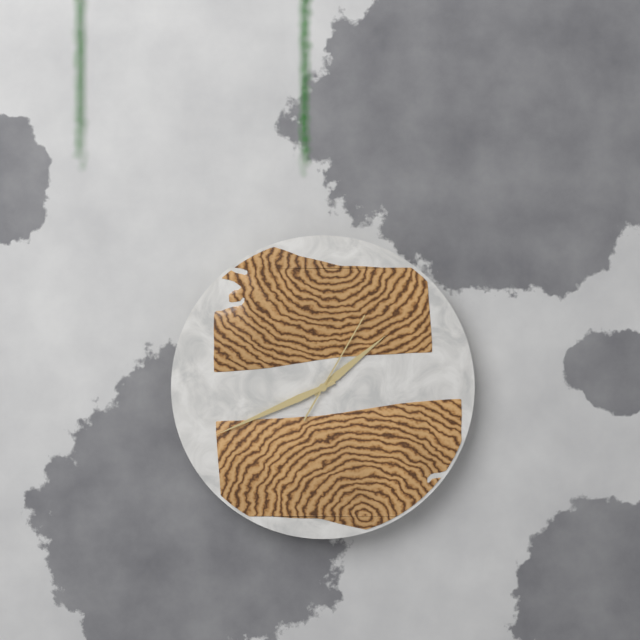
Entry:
h=1 m=41 s=5
